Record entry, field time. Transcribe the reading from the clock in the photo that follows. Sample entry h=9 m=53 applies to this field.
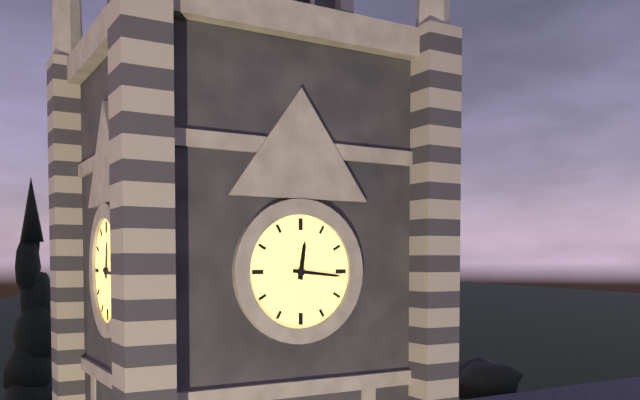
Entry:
h=12 m=16
